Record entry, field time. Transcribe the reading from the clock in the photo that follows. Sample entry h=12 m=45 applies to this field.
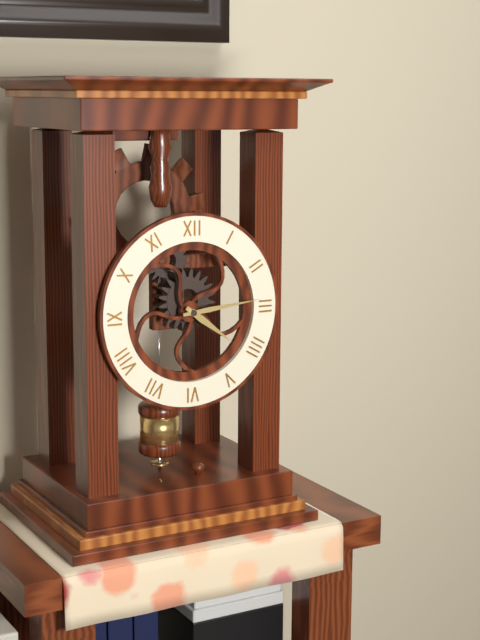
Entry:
h=4 m=14
